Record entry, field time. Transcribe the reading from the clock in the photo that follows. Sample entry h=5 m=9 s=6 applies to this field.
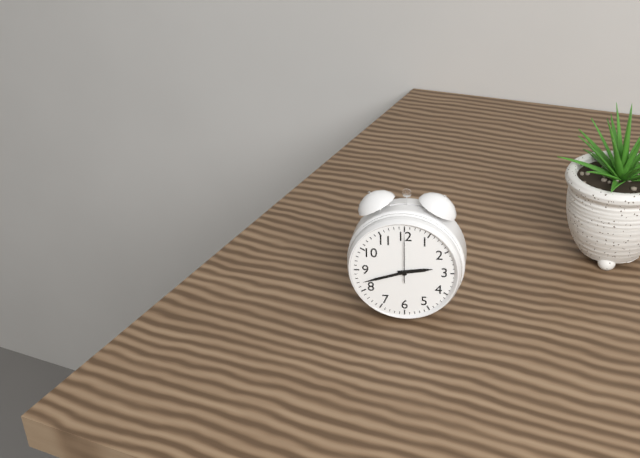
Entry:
h=2 m=42 s=0
